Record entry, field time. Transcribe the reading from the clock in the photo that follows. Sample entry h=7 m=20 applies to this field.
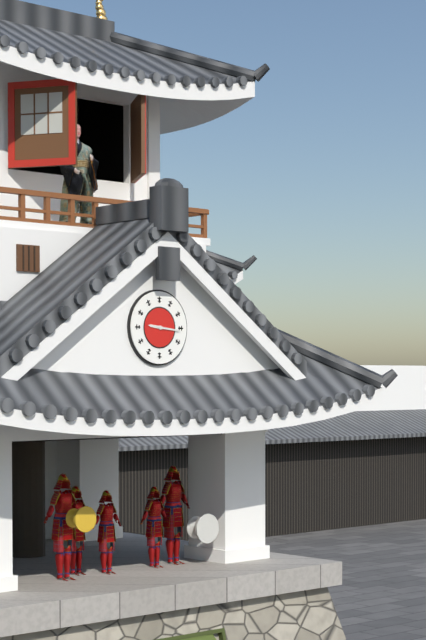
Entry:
h=9 m=16
